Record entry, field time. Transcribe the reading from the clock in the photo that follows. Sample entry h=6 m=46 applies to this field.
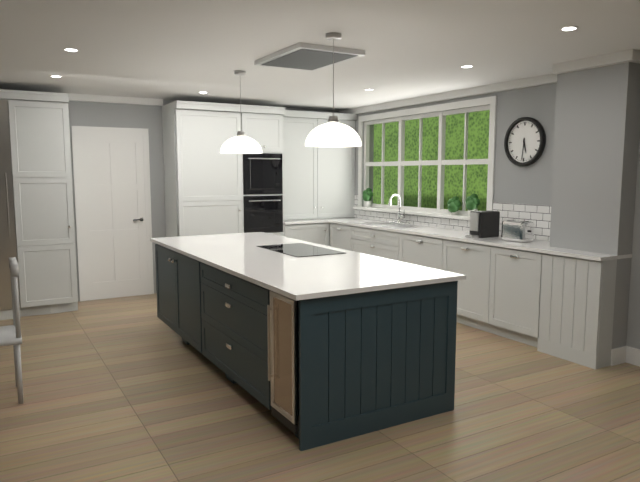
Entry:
h=5 m=31
